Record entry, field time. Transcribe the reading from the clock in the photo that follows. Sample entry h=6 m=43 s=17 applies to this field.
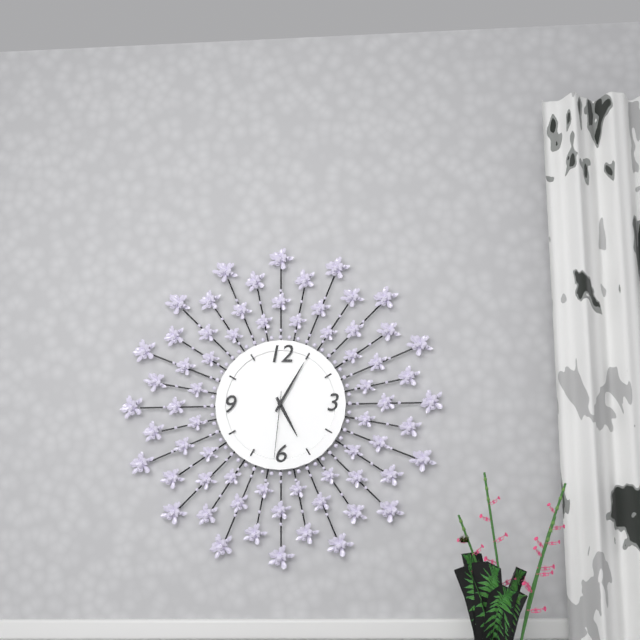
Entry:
h=5 m=5 s=31
